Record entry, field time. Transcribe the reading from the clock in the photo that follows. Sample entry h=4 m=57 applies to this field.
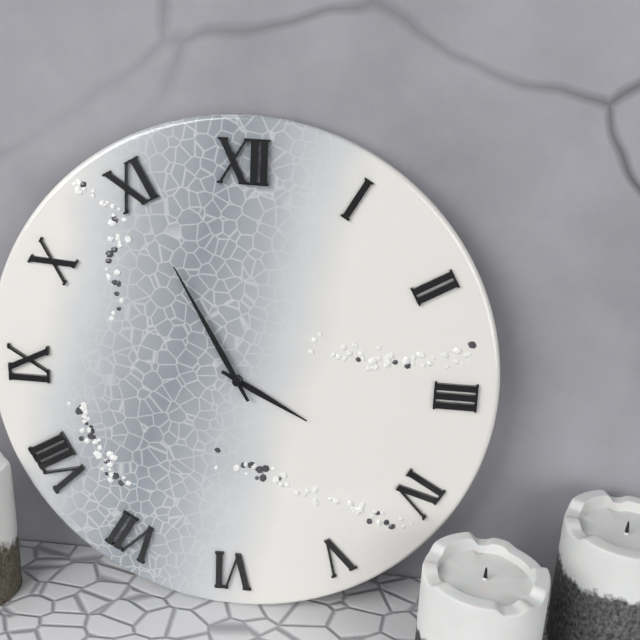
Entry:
h=3 m=55
